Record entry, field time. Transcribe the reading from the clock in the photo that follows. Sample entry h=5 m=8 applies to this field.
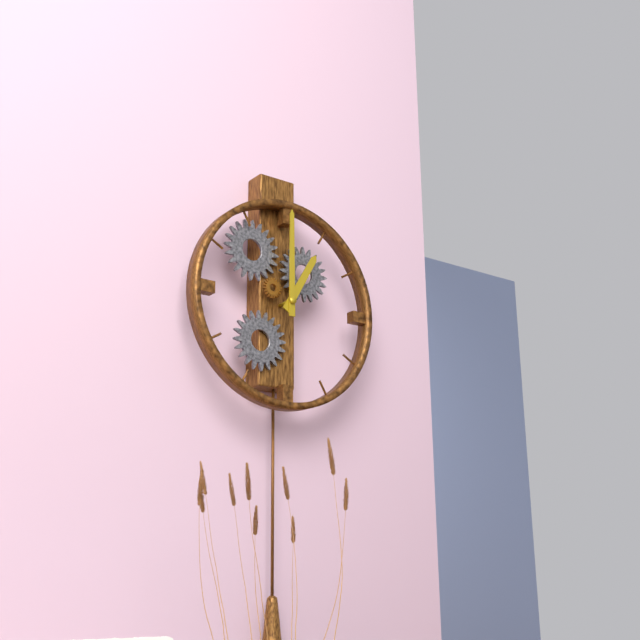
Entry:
h=1 m=0
